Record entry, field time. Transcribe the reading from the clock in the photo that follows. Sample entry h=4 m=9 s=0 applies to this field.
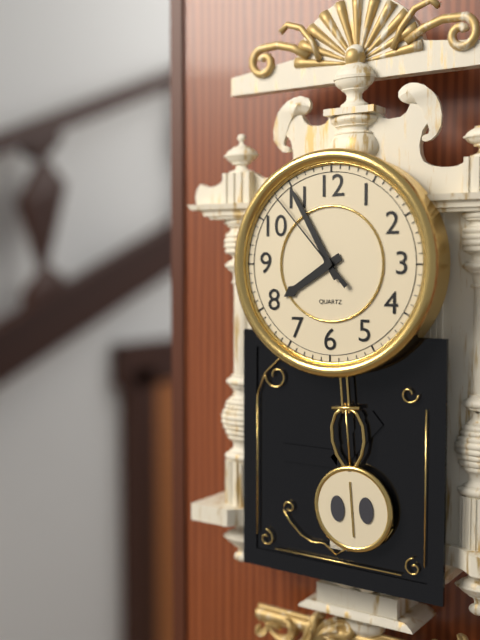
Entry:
h=7 m=55 s=53
